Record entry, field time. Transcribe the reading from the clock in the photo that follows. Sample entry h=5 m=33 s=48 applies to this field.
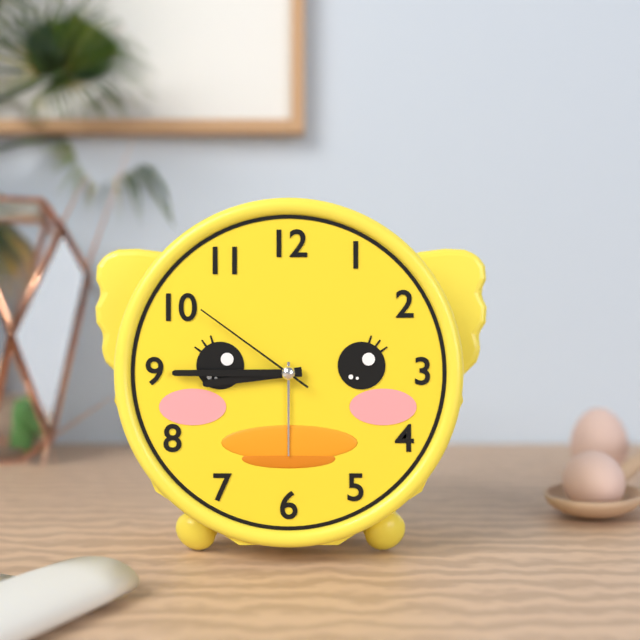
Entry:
h=8 m=45 s=51
